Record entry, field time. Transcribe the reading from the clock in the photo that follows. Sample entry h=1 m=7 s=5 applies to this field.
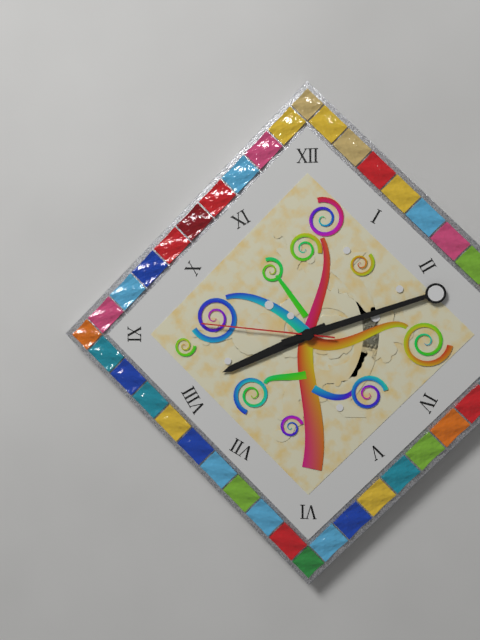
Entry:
h=8 m=12 s=46
